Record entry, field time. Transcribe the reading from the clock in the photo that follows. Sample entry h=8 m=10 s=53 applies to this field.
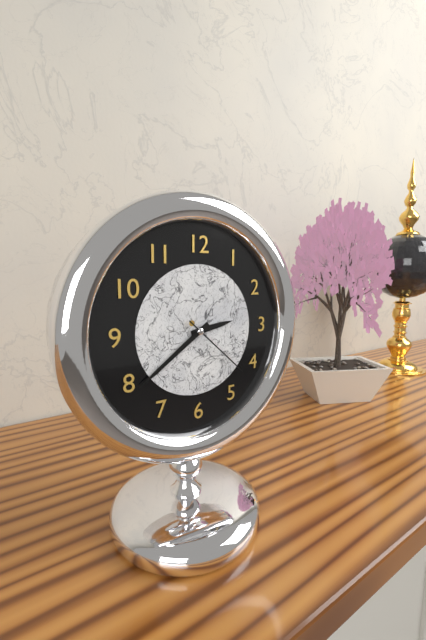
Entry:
h=2 m=39 s=22
